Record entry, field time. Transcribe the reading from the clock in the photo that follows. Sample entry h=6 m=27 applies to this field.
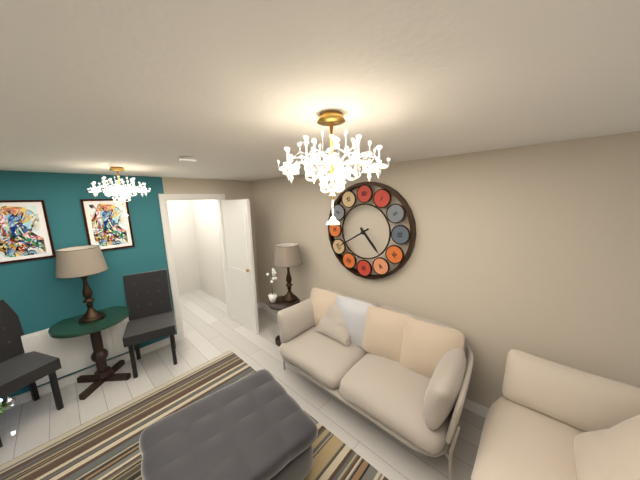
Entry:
h=4 m=40
